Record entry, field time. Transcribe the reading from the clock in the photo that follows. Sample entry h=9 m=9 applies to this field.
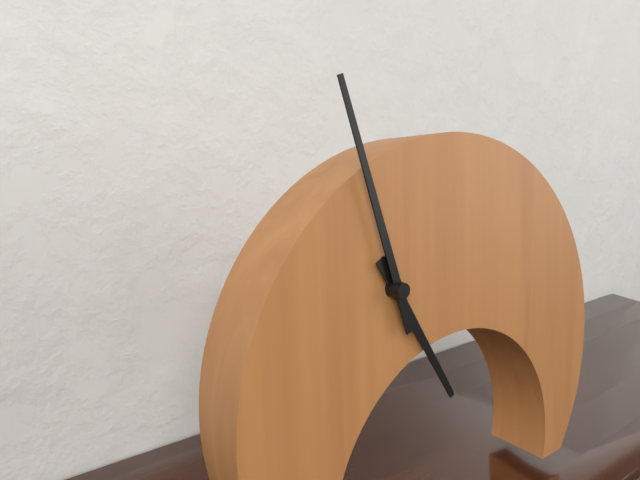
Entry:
h=4 m=57
